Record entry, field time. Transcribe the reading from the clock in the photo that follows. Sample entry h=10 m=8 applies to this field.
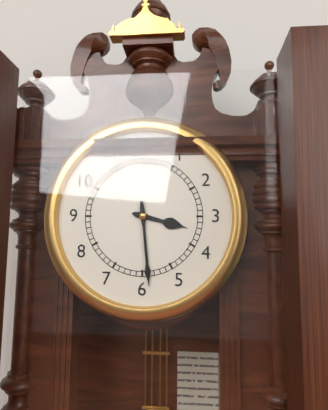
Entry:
h=3 m=29
